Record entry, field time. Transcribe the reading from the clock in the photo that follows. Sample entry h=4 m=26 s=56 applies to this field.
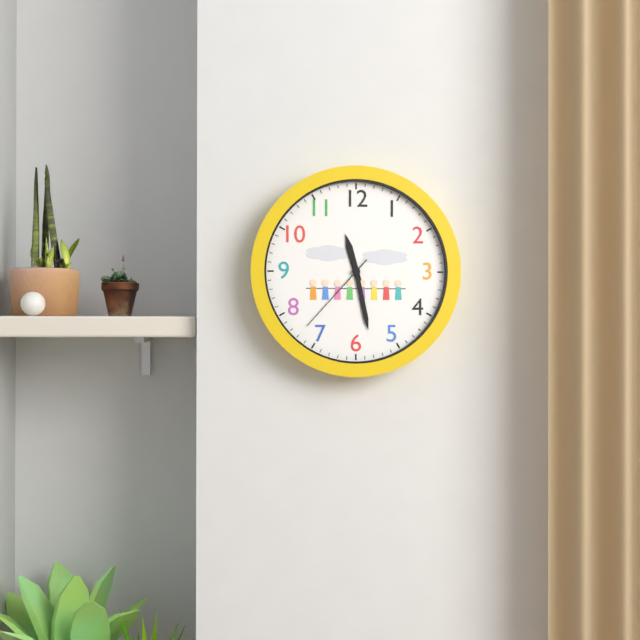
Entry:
h=11 m=28 s=37
